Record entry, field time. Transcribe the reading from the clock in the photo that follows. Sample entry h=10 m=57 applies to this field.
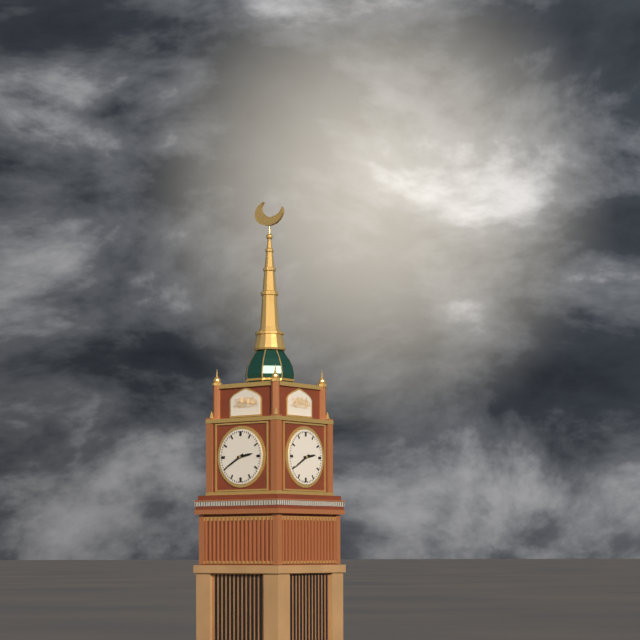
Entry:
h=2 m=40
